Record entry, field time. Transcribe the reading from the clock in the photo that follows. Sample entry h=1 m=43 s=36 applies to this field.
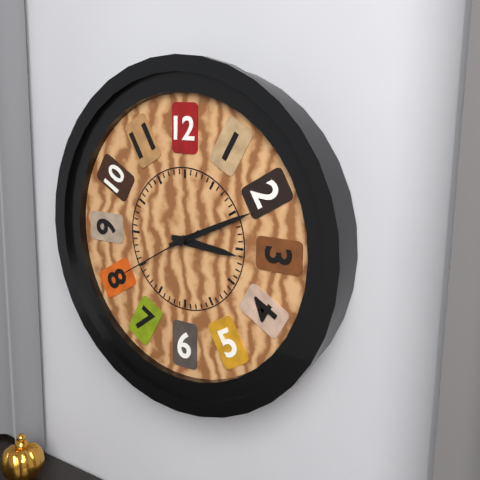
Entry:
h=3 m=11 s=40
